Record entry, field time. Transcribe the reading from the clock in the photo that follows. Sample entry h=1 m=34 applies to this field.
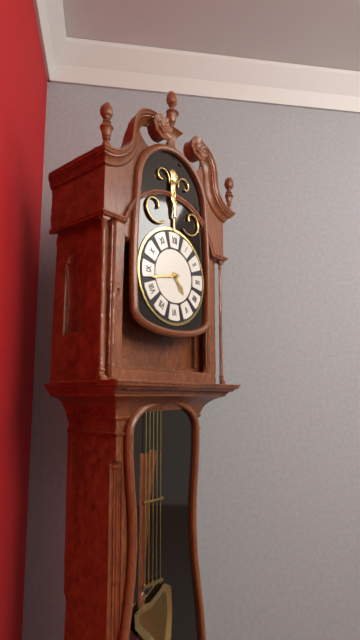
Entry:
h=4 m=43
